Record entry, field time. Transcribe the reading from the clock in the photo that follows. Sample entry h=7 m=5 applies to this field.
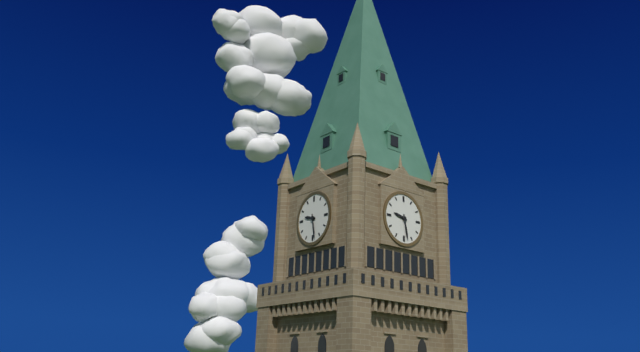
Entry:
h=9 m=28
